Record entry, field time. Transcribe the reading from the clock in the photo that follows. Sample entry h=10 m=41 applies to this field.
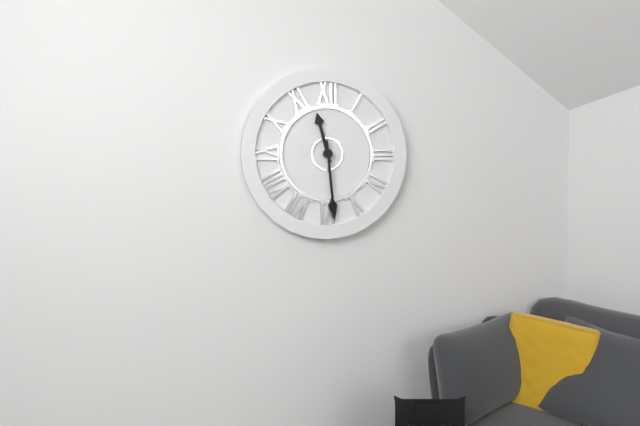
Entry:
h=11 m=29
